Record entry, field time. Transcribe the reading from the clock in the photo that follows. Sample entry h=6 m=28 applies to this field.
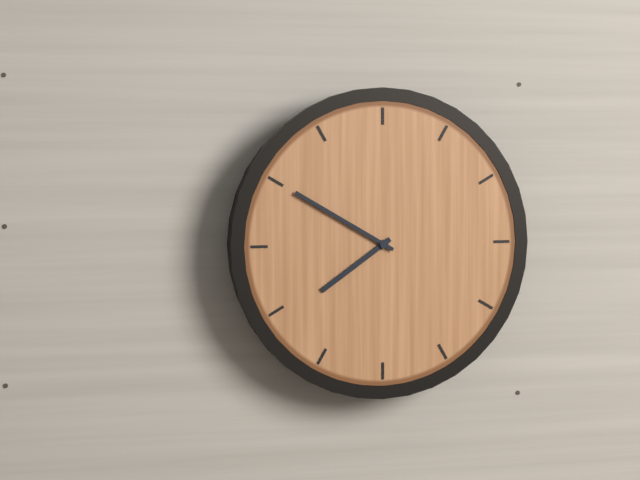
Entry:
h=7 m=50
